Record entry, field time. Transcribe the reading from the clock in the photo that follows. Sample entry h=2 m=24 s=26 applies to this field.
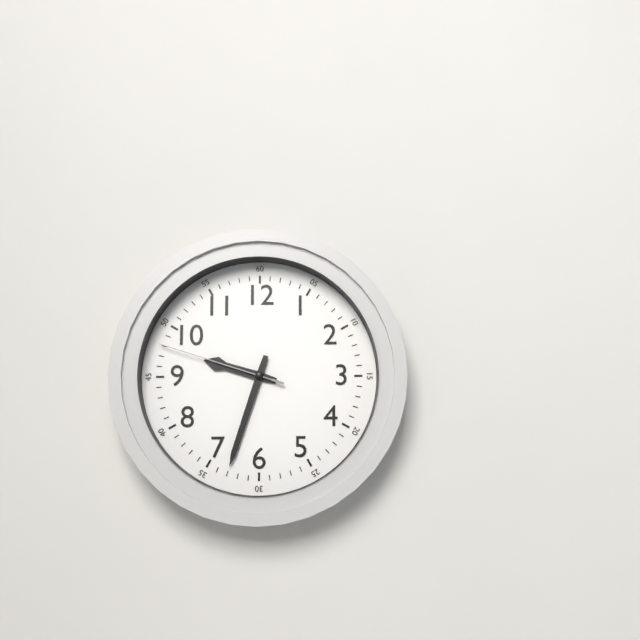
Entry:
h=9 m=33 s=48
